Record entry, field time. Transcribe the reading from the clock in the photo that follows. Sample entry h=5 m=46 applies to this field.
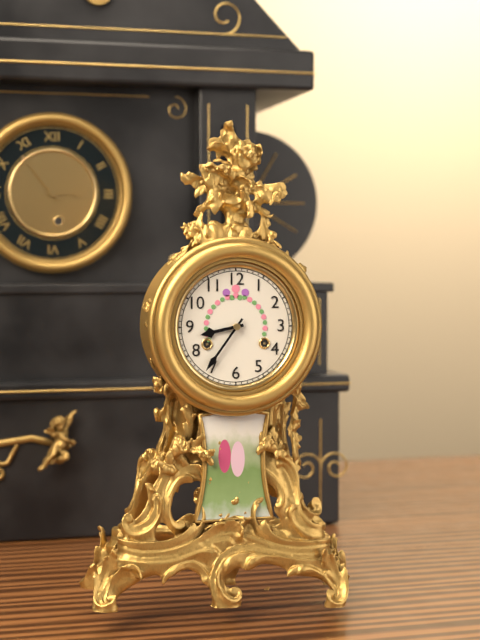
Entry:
h=8 m=36
